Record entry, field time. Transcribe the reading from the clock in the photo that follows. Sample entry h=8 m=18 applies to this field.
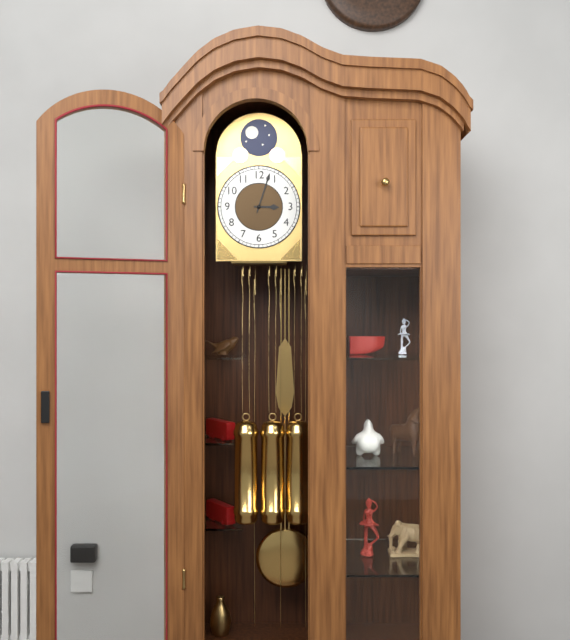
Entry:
h=3 m=3
